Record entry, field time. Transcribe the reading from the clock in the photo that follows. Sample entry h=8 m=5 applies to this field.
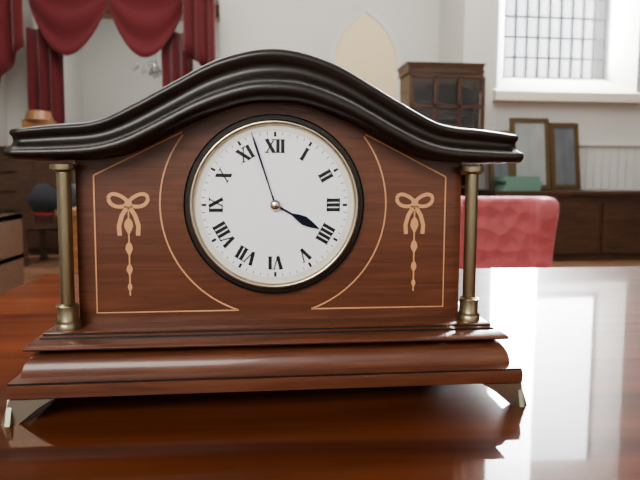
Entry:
h=3 m=57
